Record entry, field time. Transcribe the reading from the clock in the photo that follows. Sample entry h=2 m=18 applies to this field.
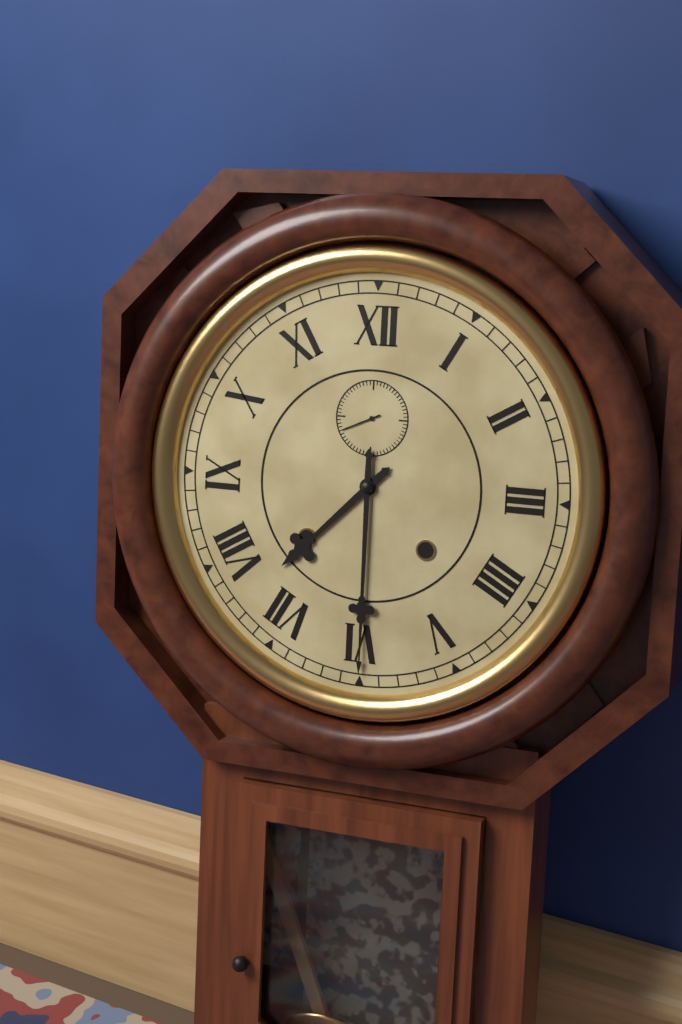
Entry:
h=7 m=30
